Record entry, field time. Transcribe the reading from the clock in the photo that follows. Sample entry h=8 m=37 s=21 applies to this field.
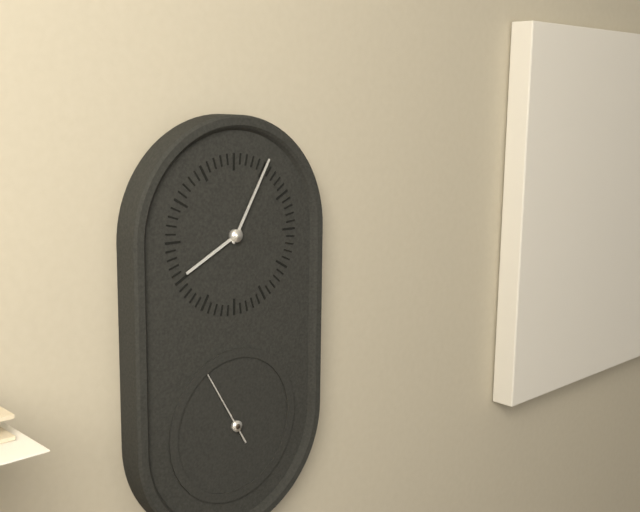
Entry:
h=8 m=5 s=55
